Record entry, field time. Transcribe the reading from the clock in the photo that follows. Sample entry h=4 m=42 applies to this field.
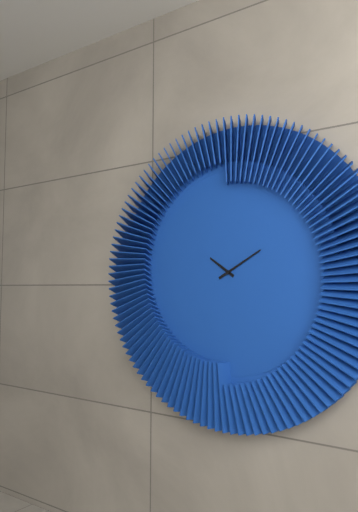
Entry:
h=10 m=10
